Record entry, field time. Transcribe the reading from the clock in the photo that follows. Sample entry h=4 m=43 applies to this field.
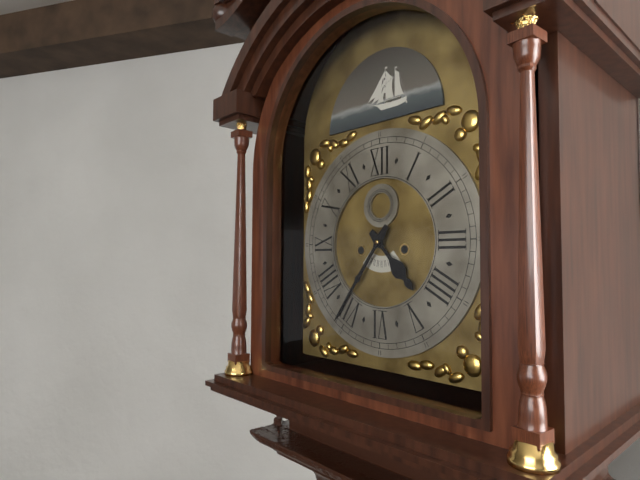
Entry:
h=4 m=36
